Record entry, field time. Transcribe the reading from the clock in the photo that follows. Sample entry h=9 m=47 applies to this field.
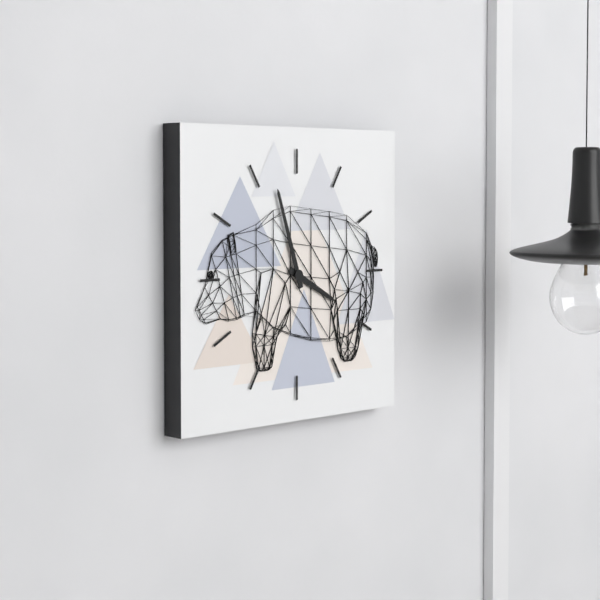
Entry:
h=3 m=57
